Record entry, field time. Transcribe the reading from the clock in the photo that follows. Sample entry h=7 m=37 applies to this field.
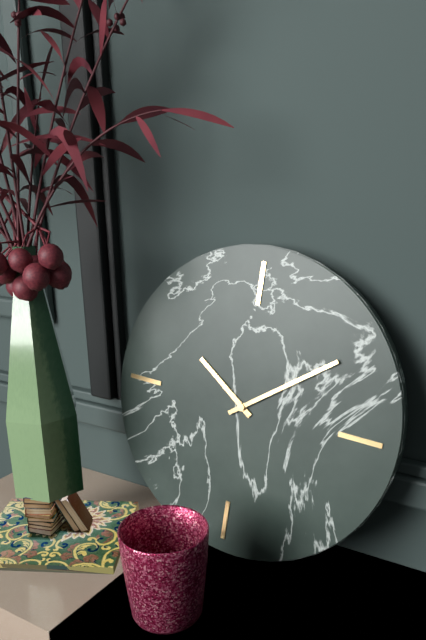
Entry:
h=10 m=9
